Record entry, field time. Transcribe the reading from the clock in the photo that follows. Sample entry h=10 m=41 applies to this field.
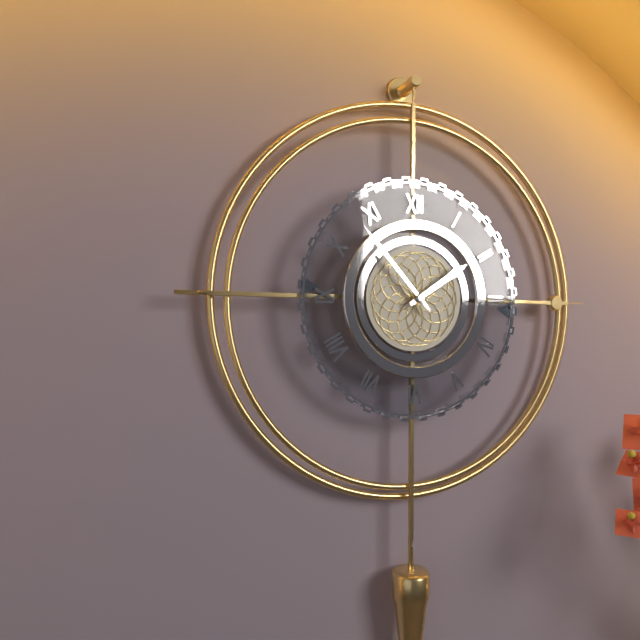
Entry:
h=1 m=53
